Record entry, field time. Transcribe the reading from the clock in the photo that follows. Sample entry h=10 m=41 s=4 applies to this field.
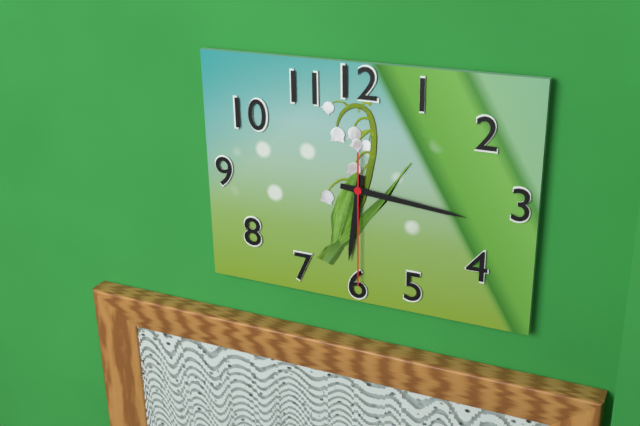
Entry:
h=6 m=16 s=30
